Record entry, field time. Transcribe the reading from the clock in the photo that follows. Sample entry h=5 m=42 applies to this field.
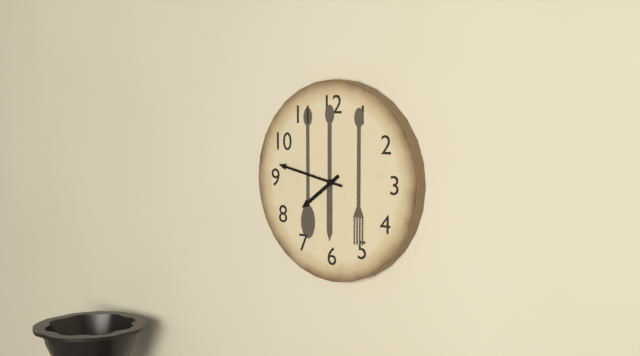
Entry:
h=7 m=47
